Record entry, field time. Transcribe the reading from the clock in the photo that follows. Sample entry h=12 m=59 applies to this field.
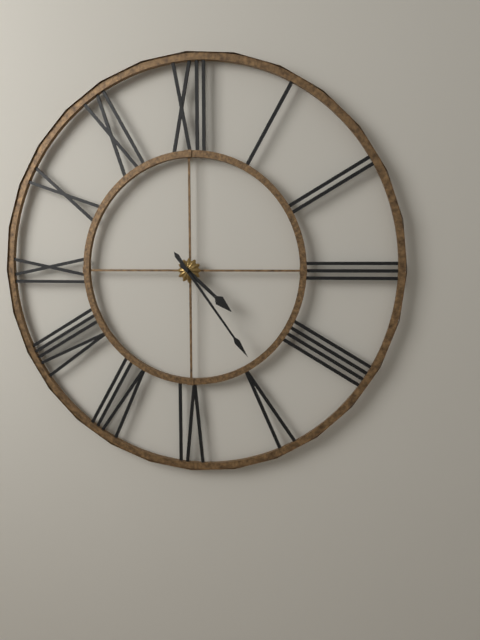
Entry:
h=4 m=24
